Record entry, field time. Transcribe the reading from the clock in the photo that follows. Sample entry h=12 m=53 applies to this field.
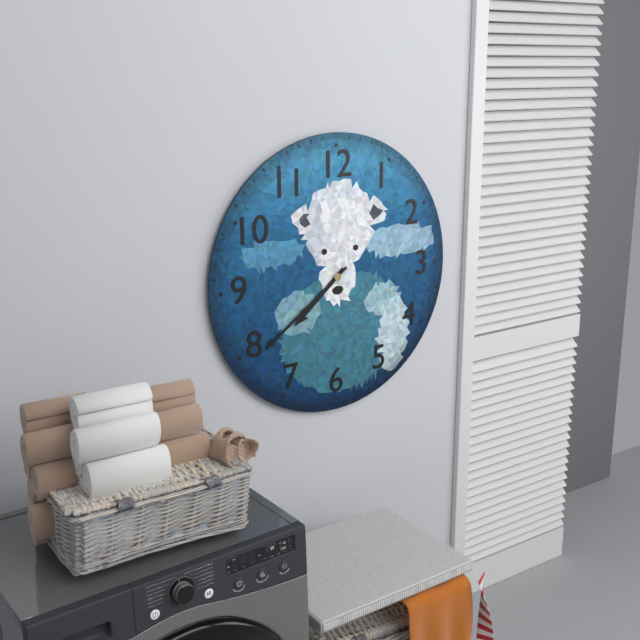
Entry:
h=7 m=39
